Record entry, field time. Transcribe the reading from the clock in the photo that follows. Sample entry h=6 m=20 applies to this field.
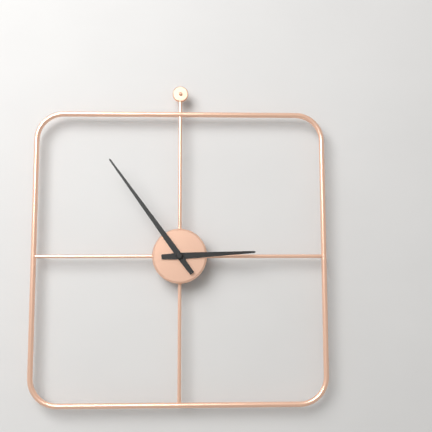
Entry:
h=2 m=54
